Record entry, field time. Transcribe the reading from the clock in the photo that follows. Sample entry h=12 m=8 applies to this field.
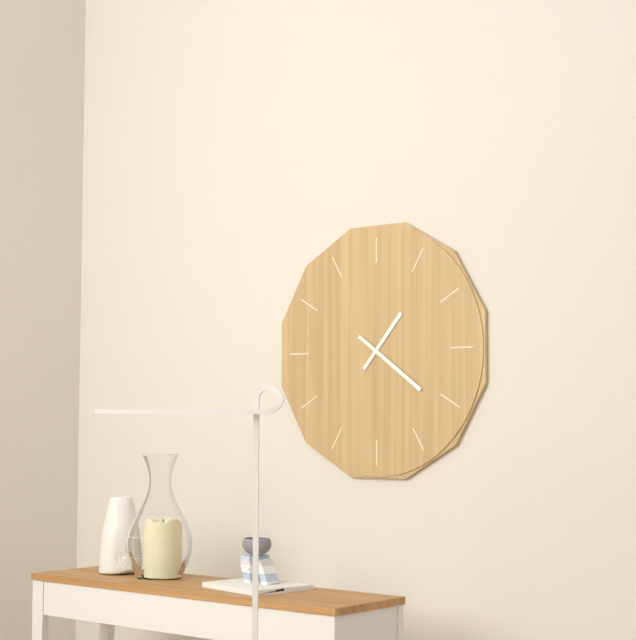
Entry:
h=1 m=21
